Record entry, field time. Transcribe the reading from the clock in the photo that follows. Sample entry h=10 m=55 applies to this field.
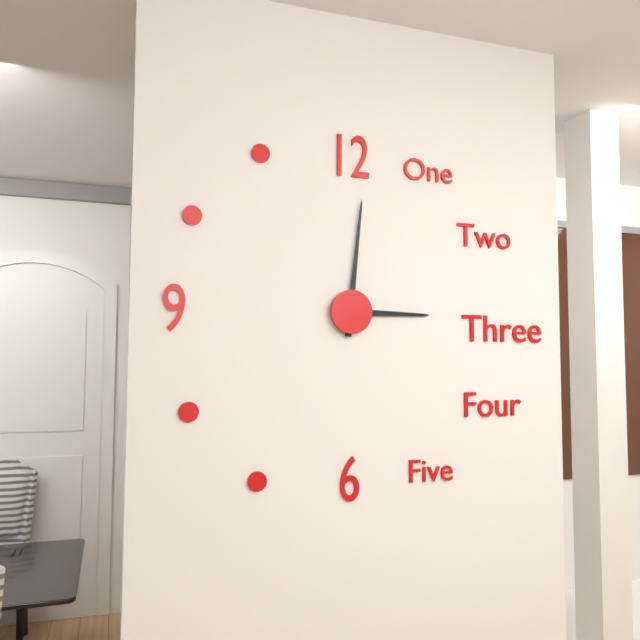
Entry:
h=3 m=1
